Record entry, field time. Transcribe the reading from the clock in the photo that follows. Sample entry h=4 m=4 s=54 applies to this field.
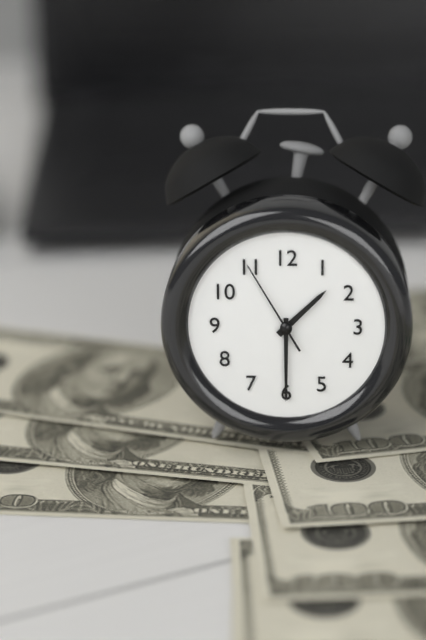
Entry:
h=1 m=30 s=55
